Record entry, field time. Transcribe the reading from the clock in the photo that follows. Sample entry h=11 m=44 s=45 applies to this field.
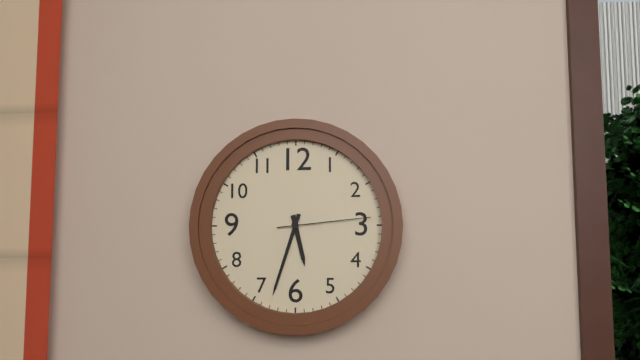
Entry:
h=5 m=33 s=14
